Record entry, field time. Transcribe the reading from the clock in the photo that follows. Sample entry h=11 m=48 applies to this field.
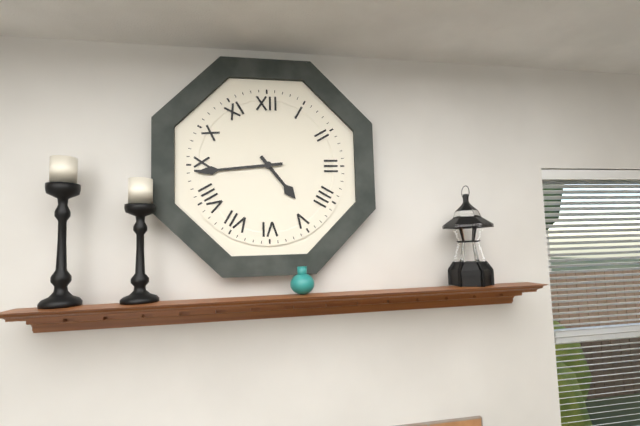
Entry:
h=4 m=44
